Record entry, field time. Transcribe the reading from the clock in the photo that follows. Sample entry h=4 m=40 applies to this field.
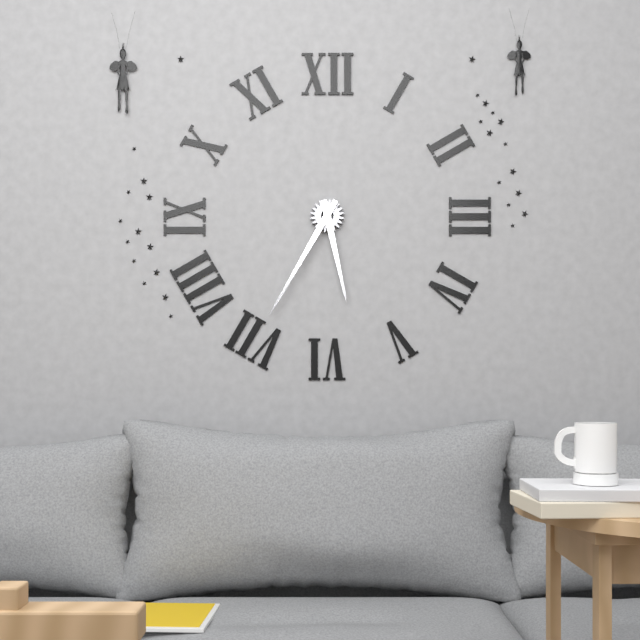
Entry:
h=5 m=35
